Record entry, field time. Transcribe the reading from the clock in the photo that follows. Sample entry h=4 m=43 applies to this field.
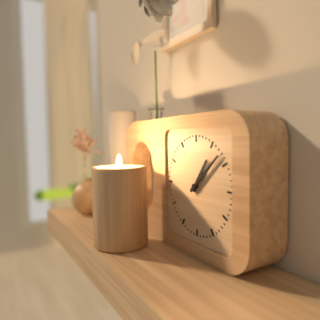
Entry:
h=1 m=8
